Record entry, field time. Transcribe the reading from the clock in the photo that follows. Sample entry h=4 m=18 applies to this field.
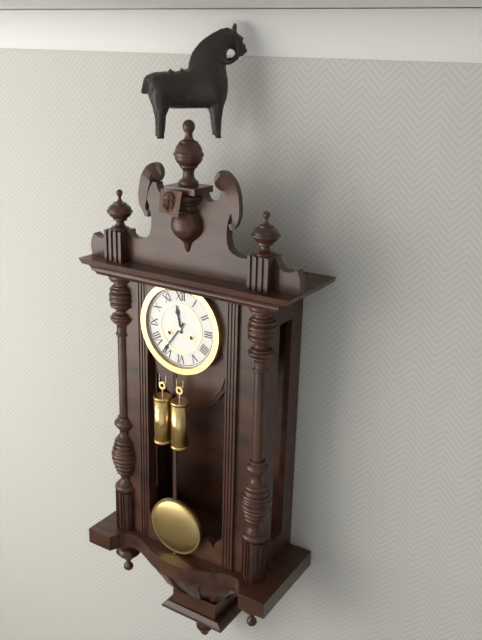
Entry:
h=11 m=36
